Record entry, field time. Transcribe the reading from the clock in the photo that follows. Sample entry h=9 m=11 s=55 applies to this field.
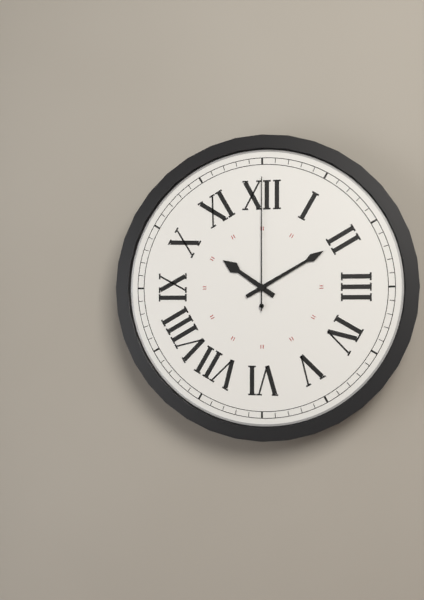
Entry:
h=10 m=10 s=0
